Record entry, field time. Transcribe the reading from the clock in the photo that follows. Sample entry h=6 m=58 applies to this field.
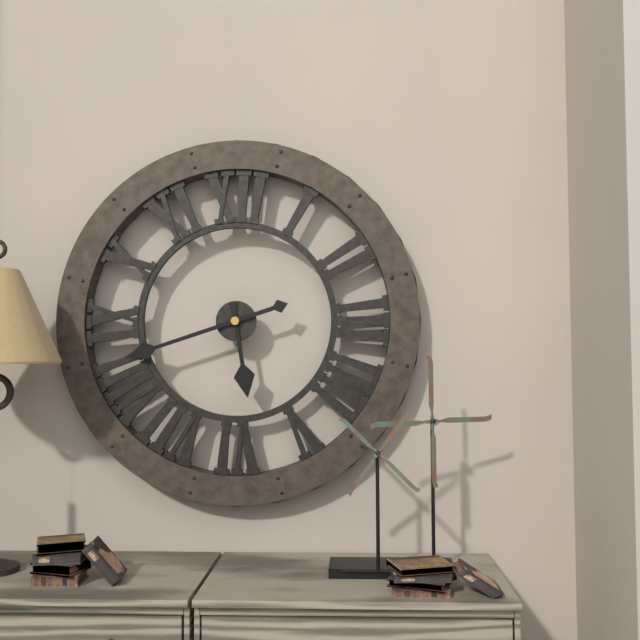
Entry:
h=5 m=42
